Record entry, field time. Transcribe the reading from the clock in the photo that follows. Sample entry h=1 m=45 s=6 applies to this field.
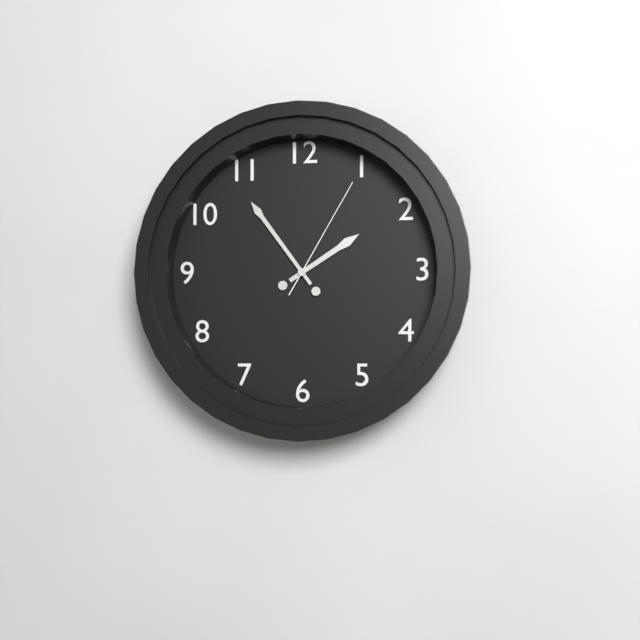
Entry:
h=1 m=54 s=5
